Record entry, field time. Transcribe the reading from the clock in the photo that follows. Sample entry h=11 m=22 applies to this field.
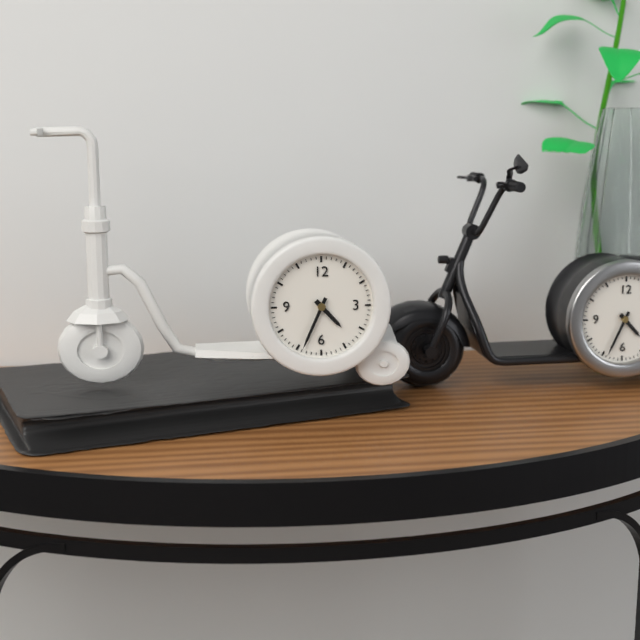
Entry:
h=4 m=34
